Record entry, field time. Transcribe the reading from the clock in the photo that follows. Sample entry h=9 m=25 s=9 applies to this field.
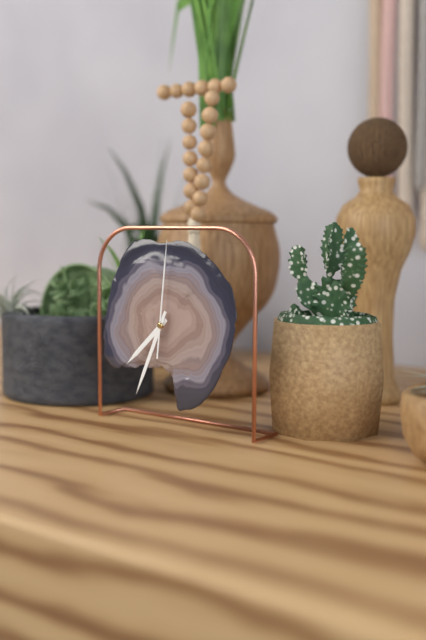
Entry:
h=7 m=34 s=1
